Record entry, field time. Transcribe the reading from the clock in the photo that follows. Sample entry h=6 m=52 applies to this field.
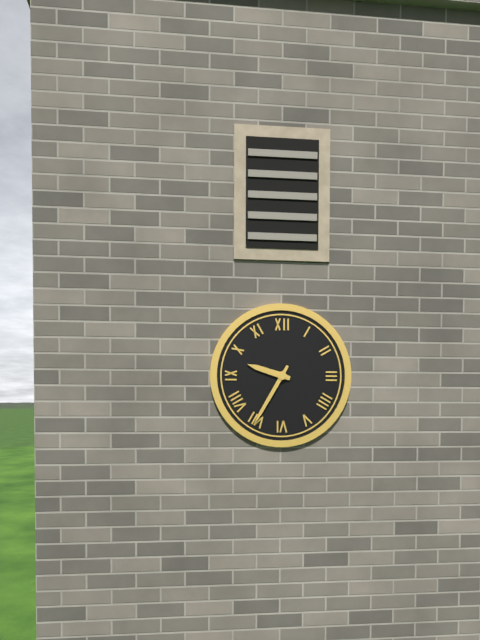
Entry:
h=9 m=35
